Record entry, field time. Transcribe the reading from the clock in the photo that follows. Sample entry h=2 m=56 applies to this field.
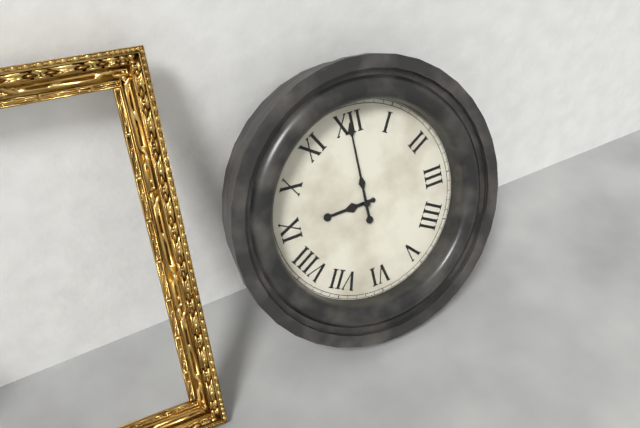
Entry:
h=9 m=0
